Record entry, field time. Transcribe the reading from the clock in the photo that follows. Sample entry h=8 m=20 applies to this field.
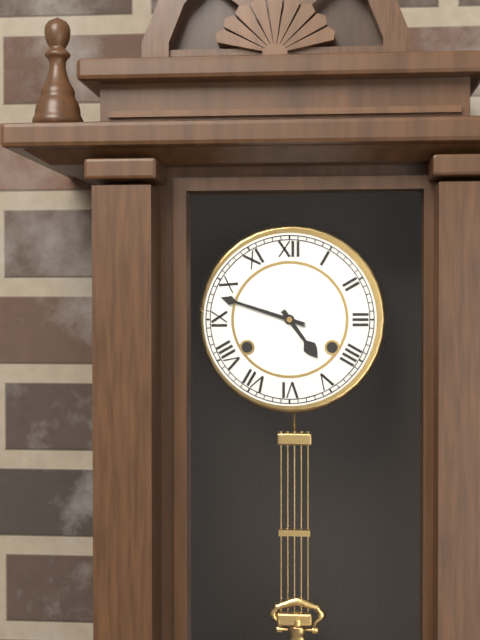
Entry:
h=4 m=48
